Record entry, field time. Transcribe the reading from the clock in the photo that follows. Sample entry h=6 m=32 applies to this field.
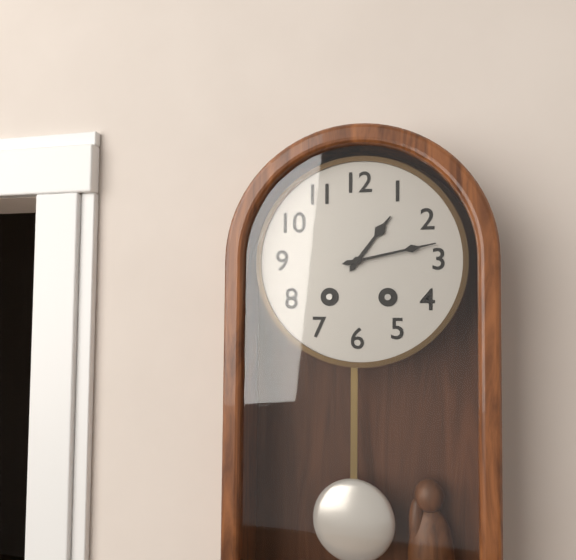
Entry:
h=1 m=13
